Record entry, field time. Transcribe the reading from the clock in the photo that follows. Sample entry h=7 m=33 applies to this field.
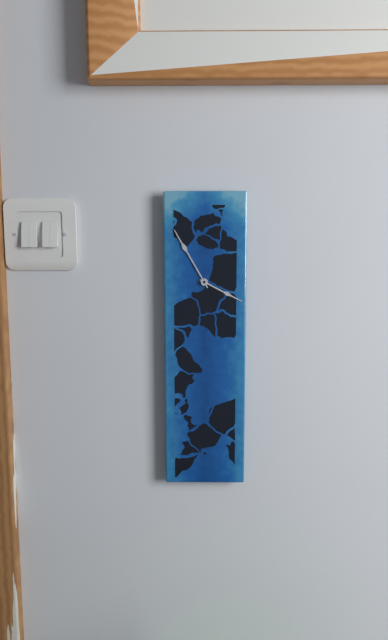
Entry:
h=3 m=55
